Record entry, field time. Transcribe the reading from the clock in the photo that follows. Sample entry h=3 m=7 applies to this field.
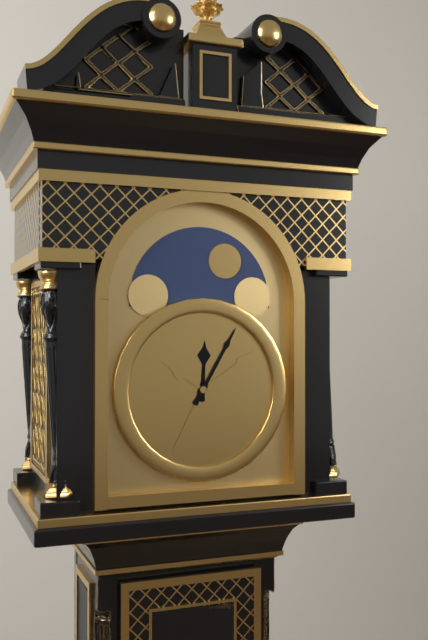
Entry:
h=12 m=5
